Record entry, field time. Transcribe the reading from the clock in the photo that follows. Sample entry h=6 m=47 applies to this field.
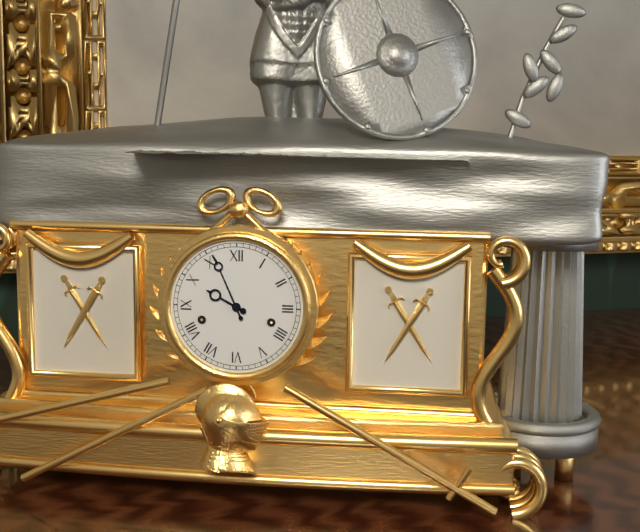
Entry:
h=9 m=56
